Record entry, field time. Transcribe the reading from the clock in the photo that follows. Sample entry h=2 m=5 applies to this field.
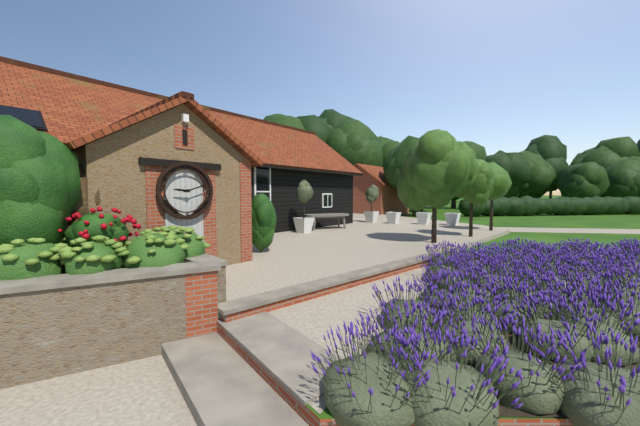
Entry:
h=9 m=12
